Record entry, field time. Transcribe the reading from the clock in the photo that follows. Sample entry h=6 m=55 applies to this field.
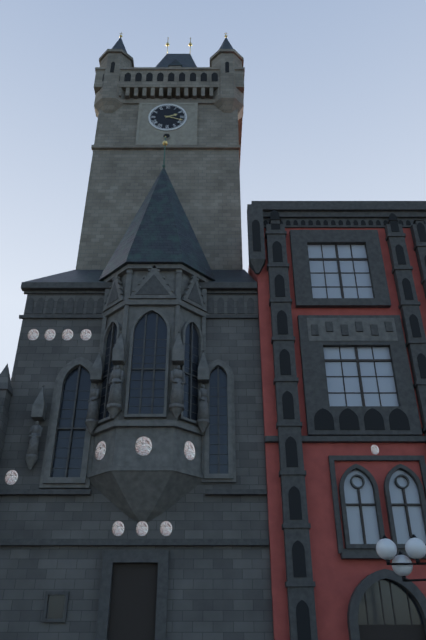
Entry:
h=2 m=18
